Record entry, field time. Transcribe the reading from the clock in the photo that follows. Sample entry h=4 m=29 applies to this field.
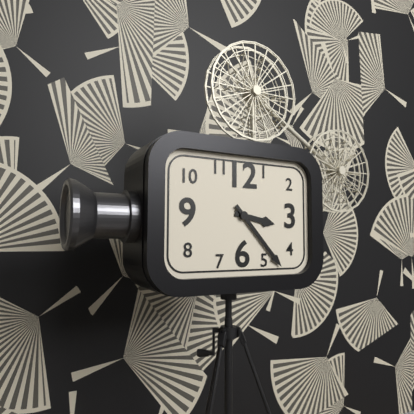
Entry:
h=3 m=23
